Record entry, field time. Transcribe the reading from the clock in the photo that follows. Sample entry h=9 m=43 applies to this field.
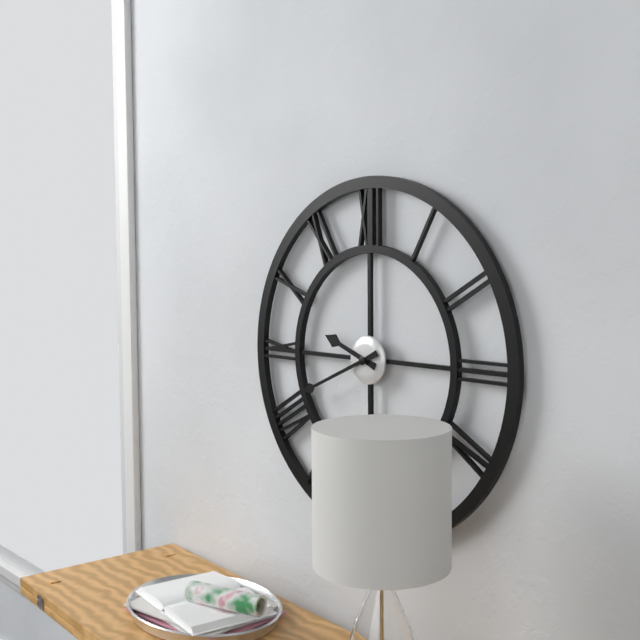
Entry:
h=9 m=41
